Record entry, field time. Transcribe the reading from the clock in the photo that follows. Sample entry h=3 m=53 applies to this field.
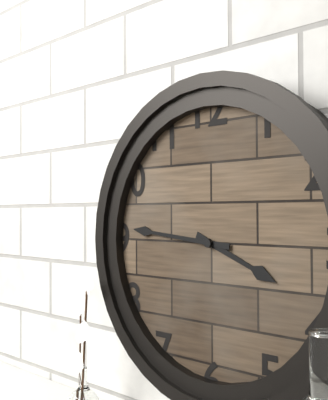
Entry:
h=3 m=46
